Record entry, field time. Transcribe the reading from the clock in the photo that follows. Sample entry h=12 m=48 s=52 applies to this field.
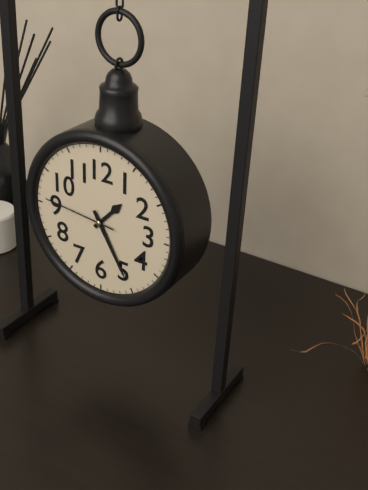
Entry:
h=1 m=25 s=46
